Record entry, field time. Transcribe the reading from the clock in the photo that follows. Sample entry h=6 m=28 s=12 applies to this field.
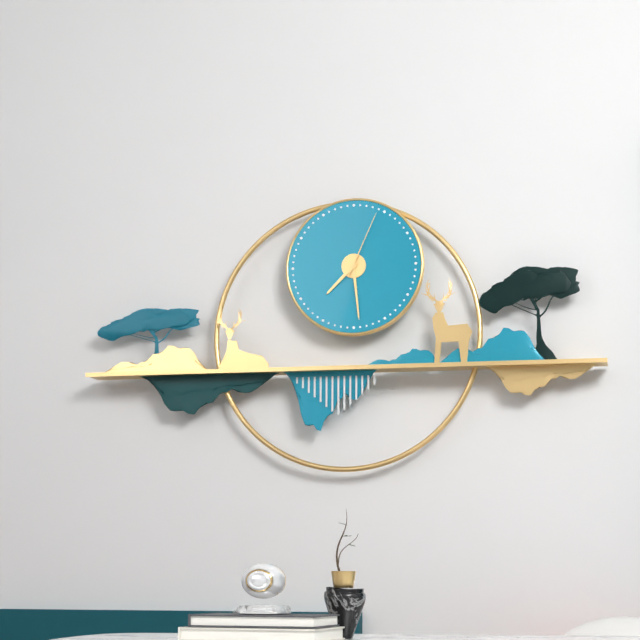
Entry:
h=7 m=29 s=4
